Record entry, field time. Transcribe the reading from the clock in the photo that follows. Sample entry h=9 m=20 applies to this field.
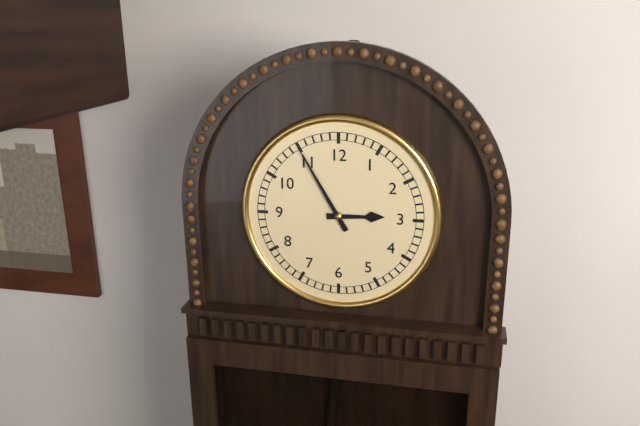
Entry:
h=2 m=55
